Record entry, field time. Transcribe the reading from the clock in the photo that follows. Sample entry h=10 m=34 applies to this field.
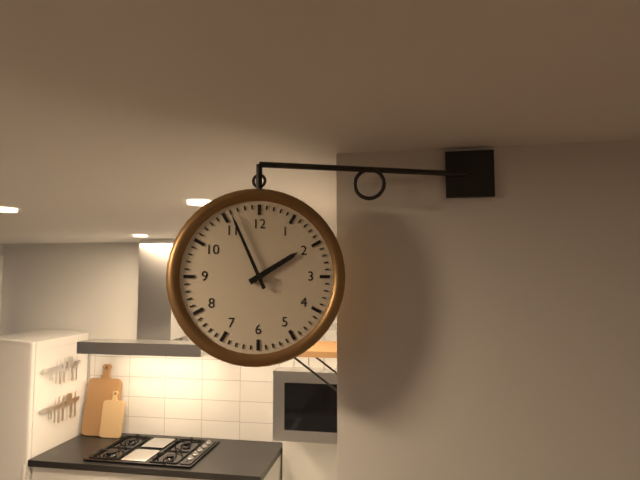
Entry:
h=1 m=56
